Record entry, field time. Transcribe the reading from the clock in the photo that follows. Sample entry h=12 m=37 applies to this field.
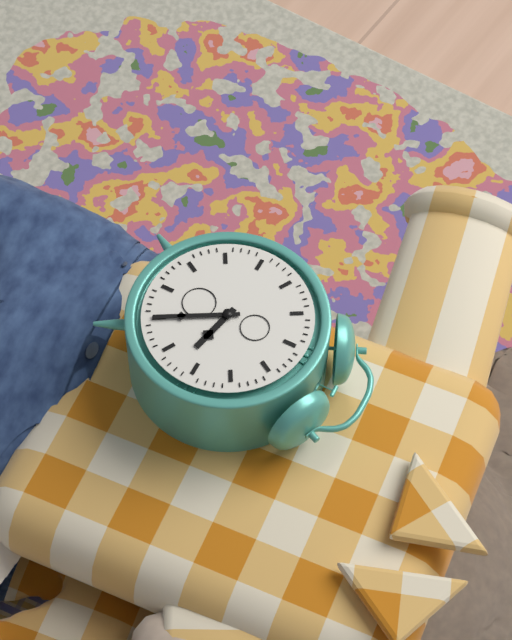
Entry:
h=3 m=25
